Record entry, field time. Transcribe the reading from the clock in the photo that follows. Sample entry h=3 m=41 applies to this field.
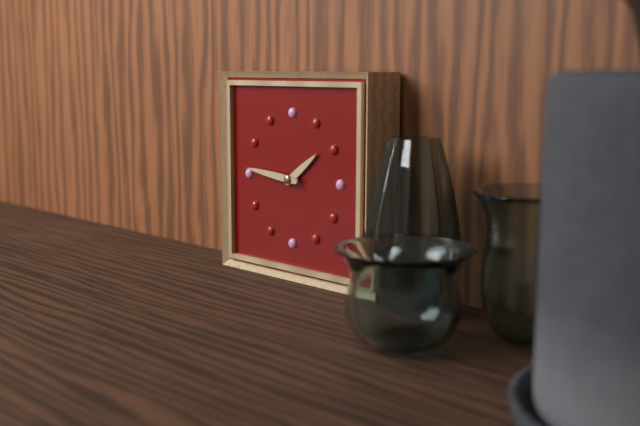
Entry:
h=1 m=46
